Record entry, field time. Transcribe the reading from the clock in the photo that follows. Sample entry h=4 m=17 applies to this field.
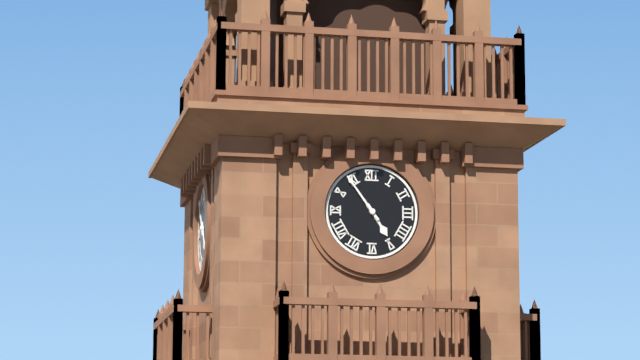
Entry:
h=4 m=54
